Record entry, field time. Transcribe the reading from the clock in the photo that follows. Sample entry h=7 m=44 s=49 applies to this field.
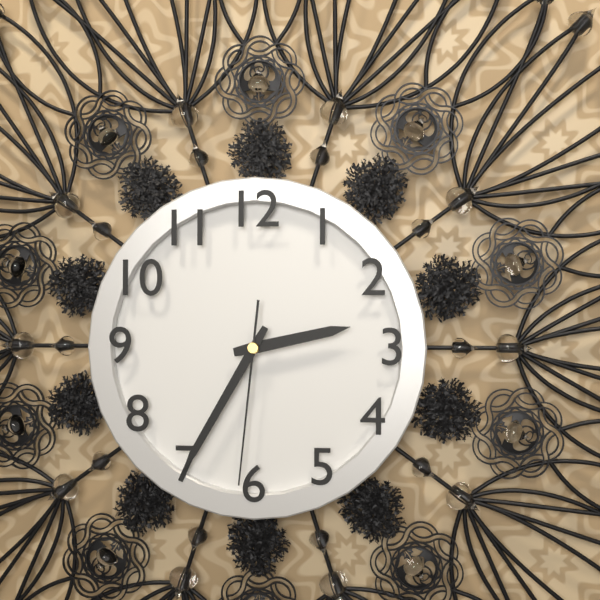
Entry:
h=2 m=35 s=31
